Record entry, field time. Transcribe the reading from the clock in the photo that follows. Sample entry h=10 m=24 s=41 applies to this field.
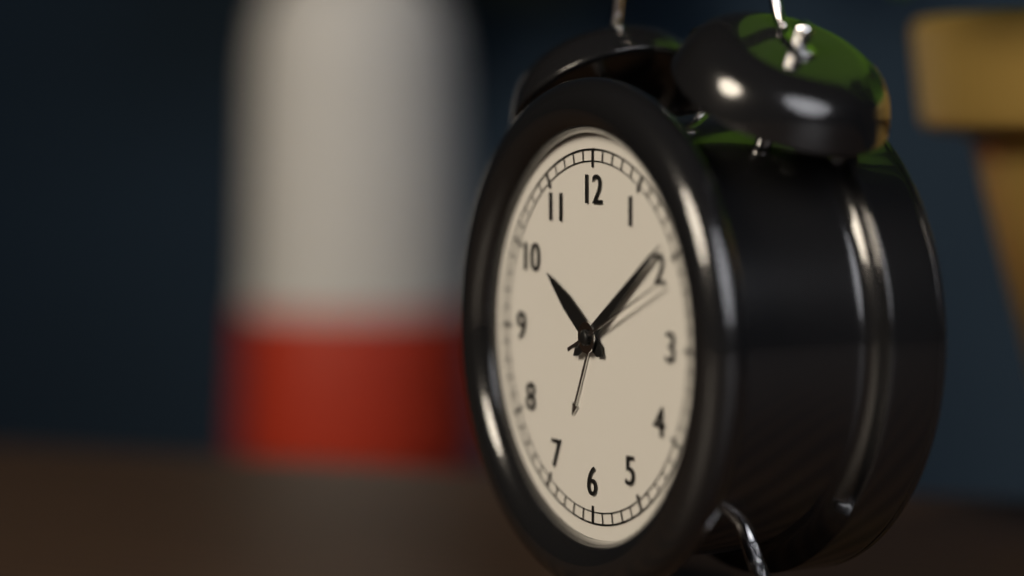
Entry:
h=10 m=9 s=11
